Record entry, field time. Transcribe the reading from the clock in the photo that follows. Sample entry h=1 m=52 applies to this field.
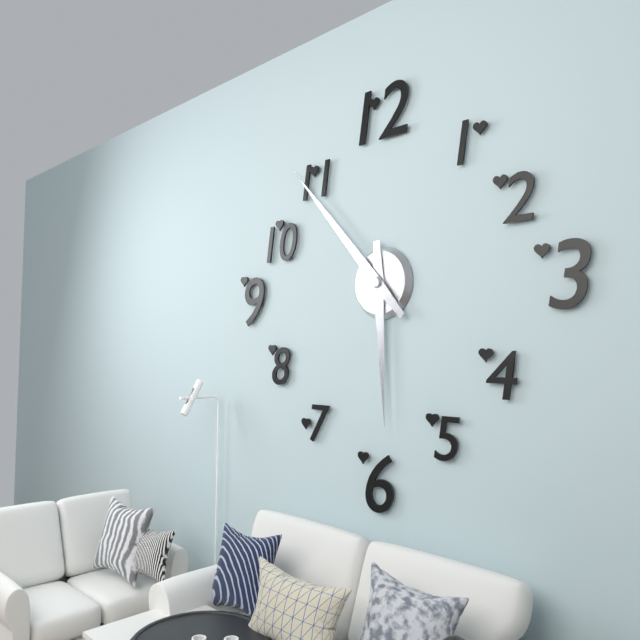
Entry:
h=5 m=53
